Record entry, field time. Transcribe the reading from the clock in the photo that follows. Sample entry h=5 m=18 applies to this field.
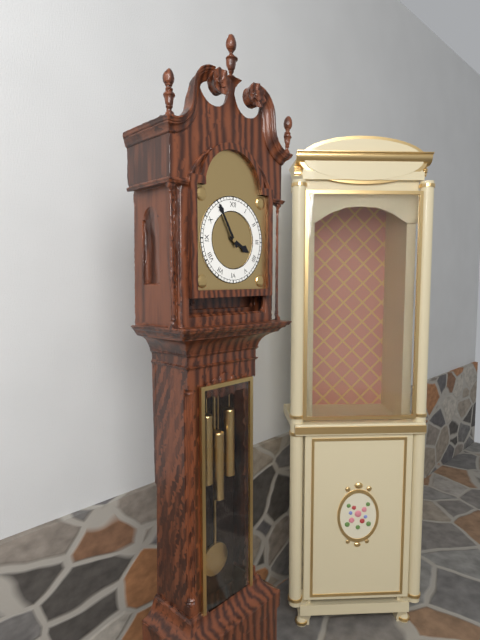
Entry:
h=3 m=55
